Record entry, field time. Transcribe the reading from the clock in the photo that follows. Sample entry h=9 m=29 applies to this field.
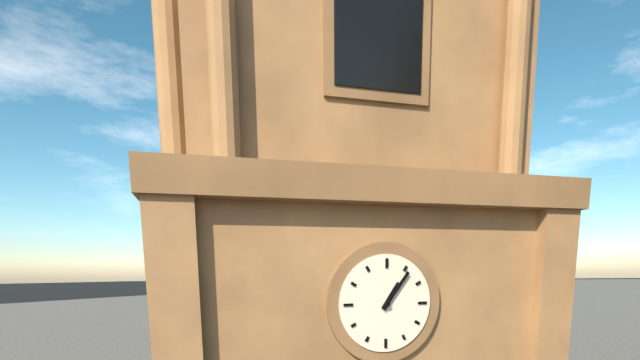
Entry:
h=1 m=6
